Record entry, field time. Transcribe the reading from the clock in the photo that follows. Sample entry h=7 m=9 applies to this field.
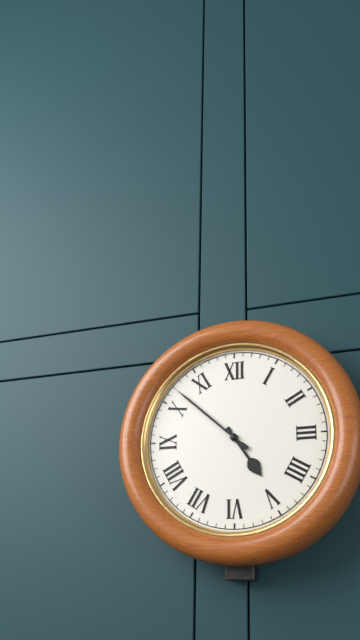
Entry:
h=4 m=52
